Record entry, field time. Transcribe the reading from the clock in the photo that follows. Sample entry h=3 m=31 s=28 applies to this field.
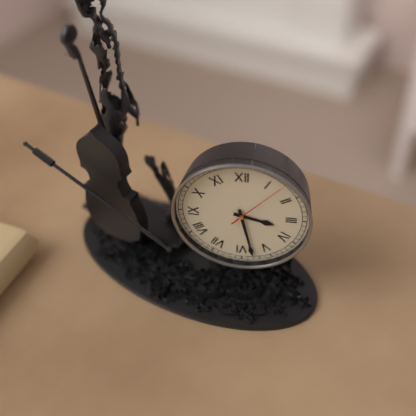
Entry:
h=3 m=28 s=7
